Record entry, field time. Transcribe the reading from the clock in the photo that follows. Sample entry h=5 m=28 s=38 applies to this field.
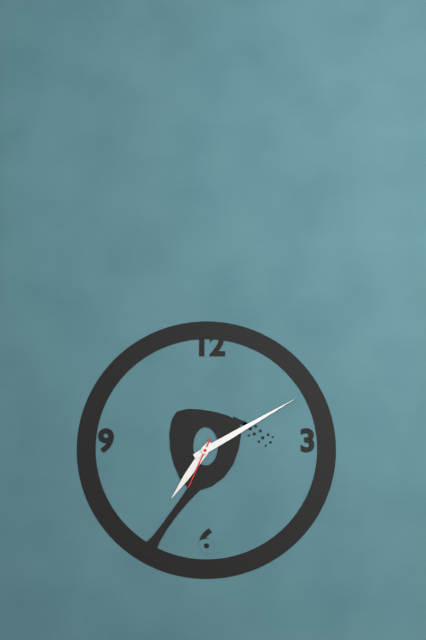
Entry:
h=7 m=10 s=34
